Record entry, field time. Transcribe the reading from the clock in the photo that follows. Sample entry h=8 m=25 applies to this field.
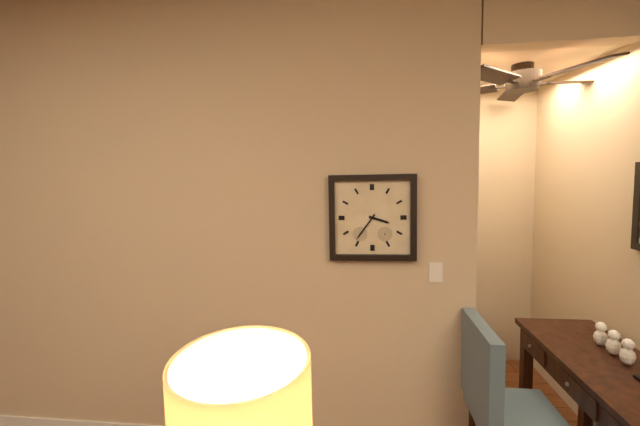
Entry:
h=3 m=36
